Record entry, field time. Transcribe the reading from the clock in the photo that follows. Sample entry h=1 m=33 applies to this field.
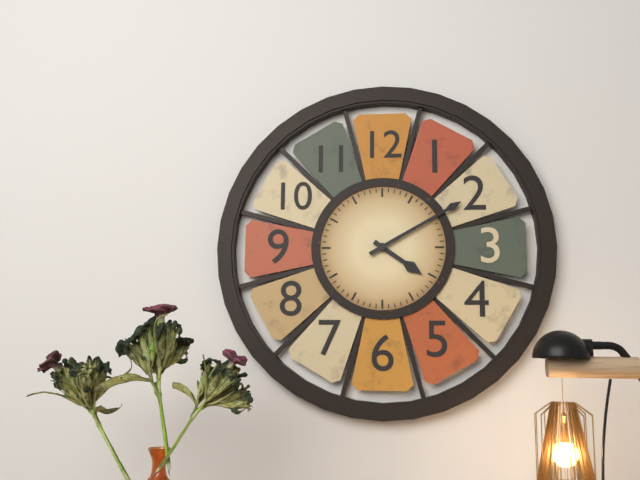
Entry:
h=4 m=10
